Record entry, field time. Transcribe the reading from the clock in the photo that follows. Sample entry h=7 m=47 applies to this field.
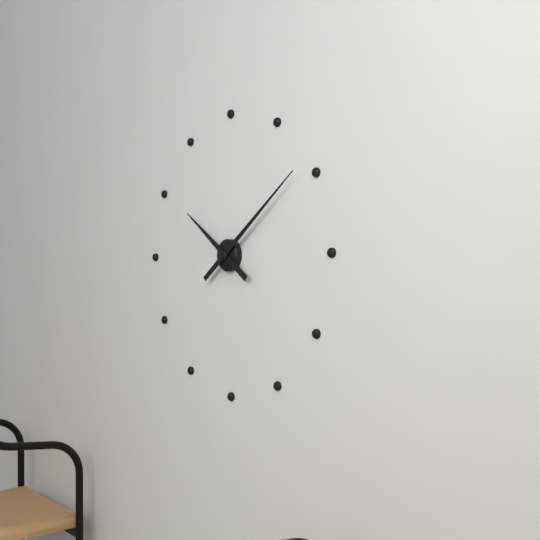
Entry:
h=10 m=9
